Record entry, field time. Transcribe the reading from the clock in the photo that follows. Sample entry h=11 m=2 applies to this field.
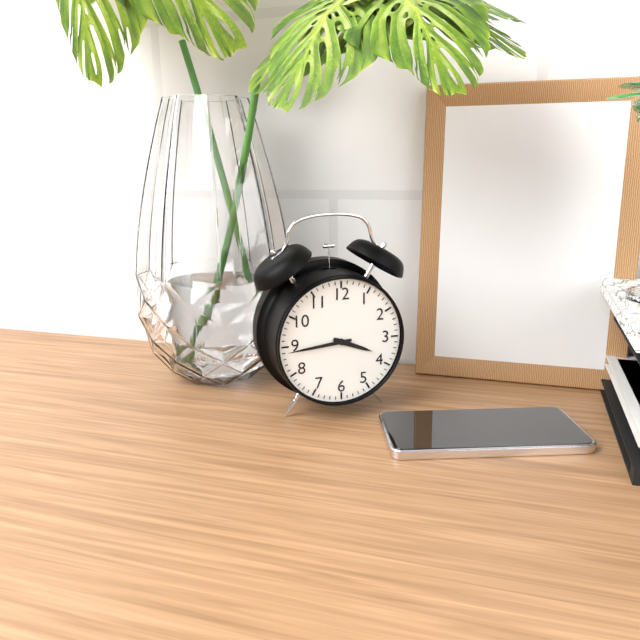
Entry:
h=3 m=44
